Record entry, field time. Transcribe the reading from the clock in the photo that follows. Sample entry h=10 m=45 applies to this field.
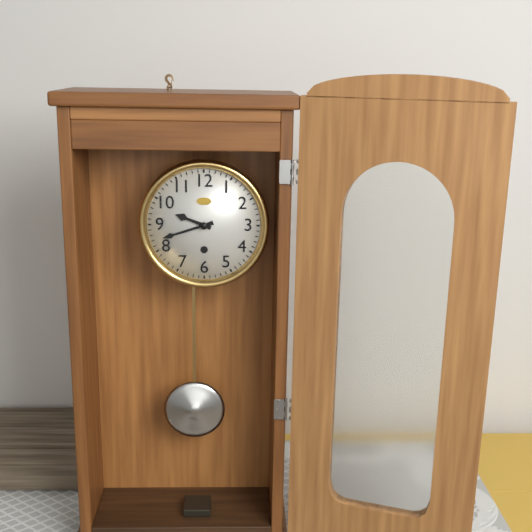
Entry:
h=9 m=42
